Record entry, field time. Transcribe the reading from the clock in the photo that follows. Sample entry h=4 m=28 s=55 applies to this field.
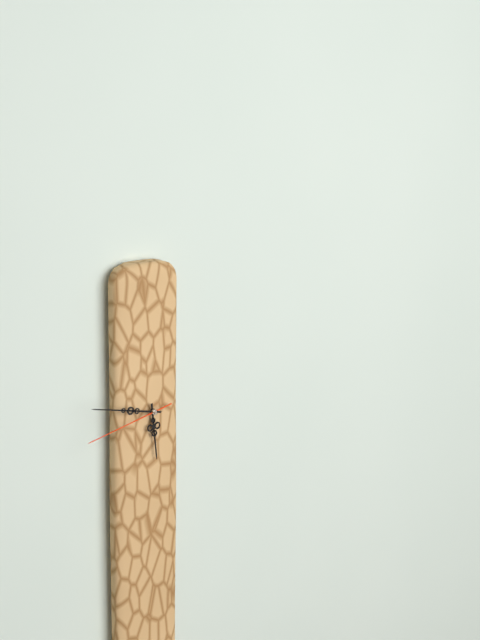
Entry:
h=5 m=47 s=43
